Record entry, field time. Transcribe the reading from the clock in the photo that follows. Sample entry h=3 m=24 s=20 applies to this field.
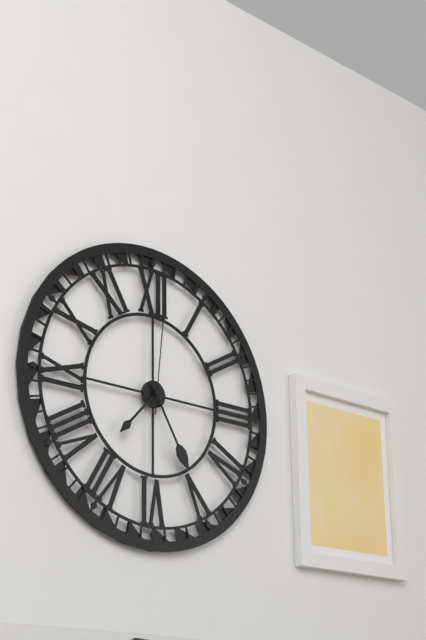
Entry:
h=7 m=25 s=1
